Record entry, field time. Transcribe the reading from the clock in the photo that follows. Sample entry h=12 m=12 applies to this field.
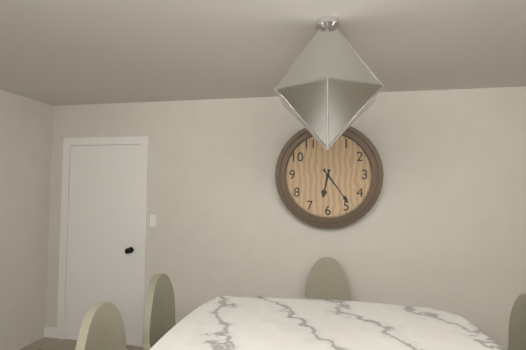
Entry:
h=6 m=24
